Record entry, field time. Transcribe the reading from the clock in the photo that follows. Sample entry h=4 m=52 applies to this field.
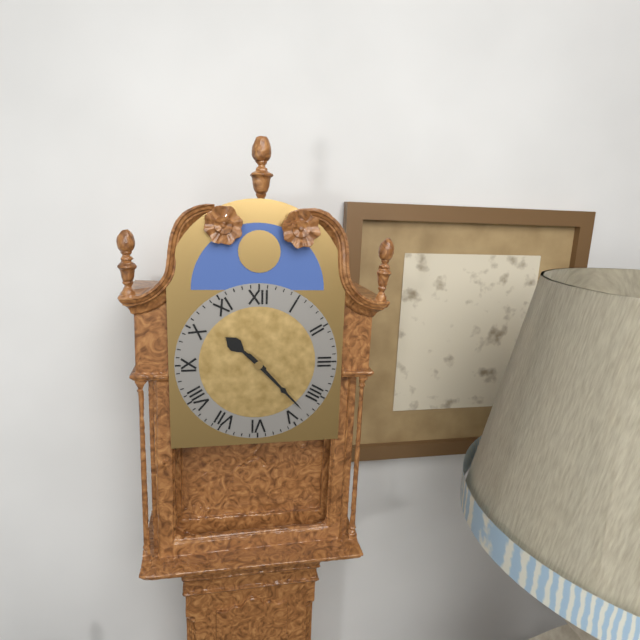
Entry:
h=10 m=23
